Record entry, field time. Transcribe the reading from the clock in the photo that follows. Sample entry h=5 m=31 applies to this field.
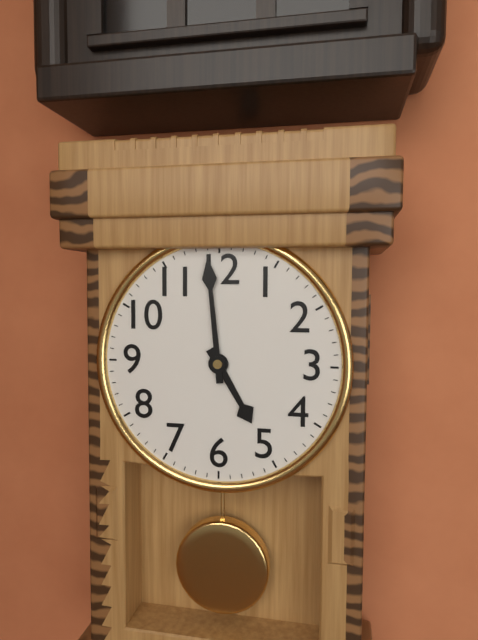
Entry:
h=4 m=59
